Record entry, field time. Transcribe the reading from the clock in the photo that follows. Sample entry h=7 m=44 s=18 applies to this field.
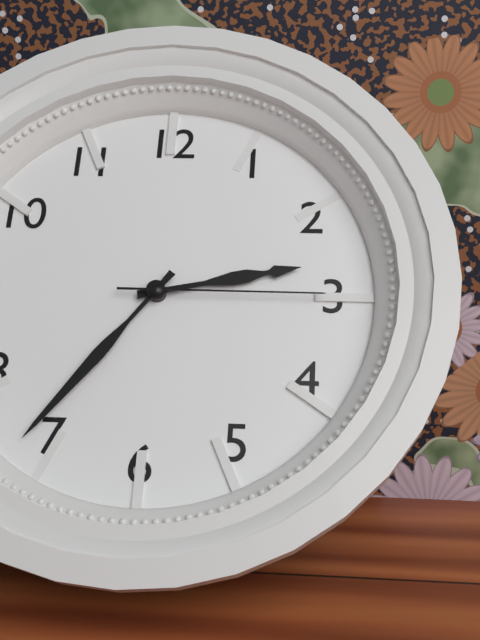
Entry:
h=2 m=36 s=15
